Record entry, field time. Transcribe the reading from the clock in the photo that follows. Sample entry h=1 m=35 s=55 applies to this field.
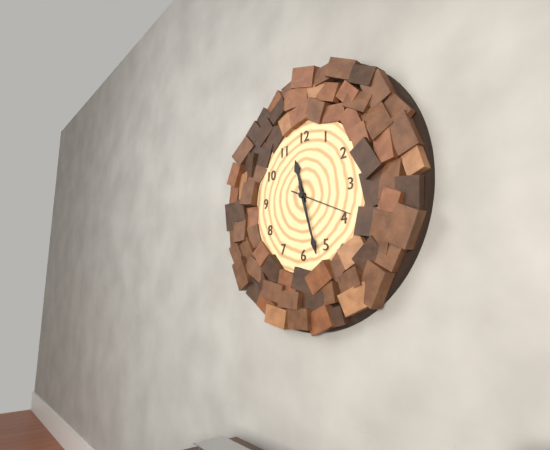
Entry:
h=11 m=27 s=19
